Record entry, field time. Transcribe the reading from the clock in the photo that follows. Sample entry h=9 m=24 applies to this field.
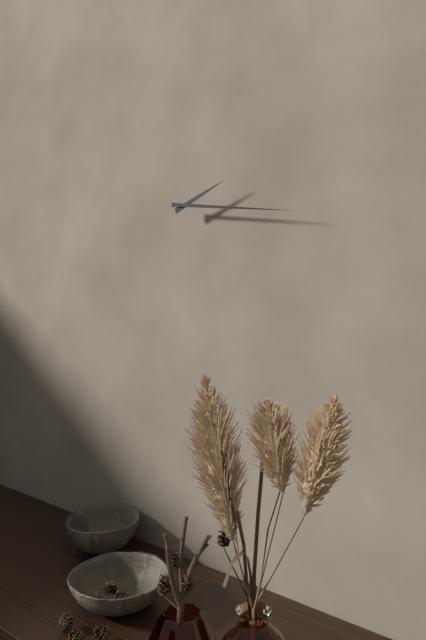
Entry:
h=2 m=16
